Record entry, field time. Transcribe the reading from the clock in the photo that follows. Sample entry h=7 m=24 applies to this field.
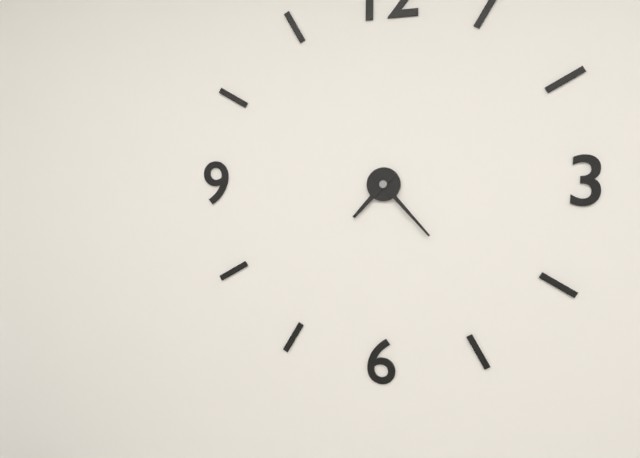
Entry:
h=7 m=23
